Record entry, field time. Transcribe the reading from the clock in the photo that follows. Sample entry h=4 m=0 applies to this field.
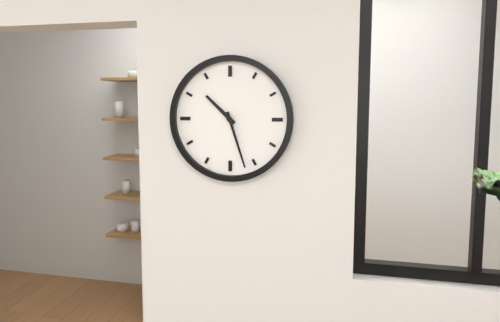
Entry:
h=10 m=27
